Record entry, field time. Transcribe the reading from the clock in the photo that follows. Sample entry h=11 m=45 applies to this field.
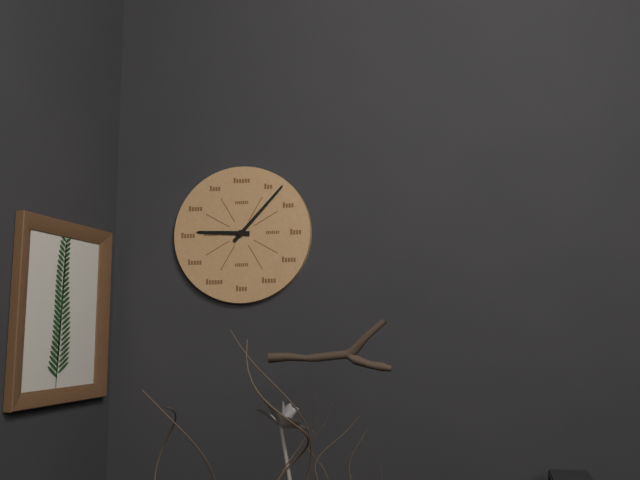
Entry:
h=9 m=7
